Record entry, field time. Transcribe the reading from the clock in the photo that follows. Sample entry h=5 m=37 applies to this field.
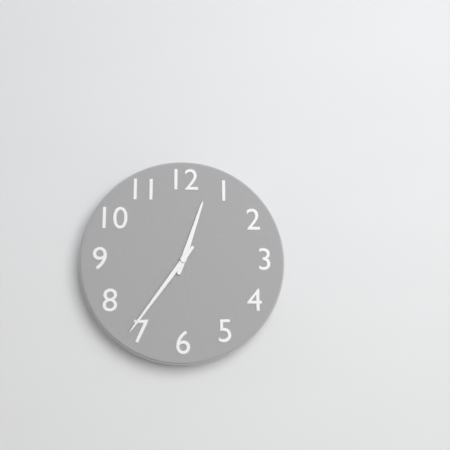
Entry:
h=12 m=36
